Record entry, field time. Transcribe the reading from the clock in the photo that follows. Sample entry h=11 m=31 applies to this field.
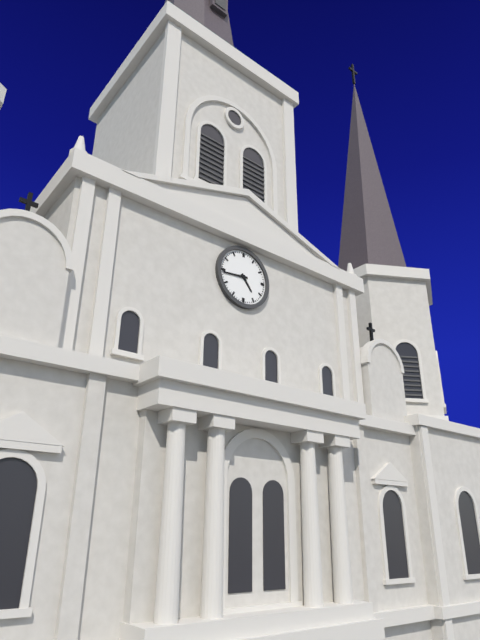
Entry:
h=4 m=44
